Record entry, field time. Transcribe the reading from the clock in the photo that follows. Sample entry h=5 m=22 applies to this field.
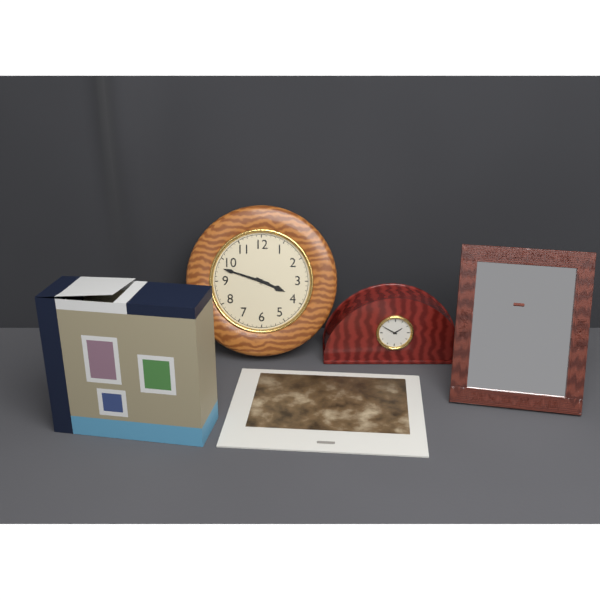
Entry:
h=3 m=48
